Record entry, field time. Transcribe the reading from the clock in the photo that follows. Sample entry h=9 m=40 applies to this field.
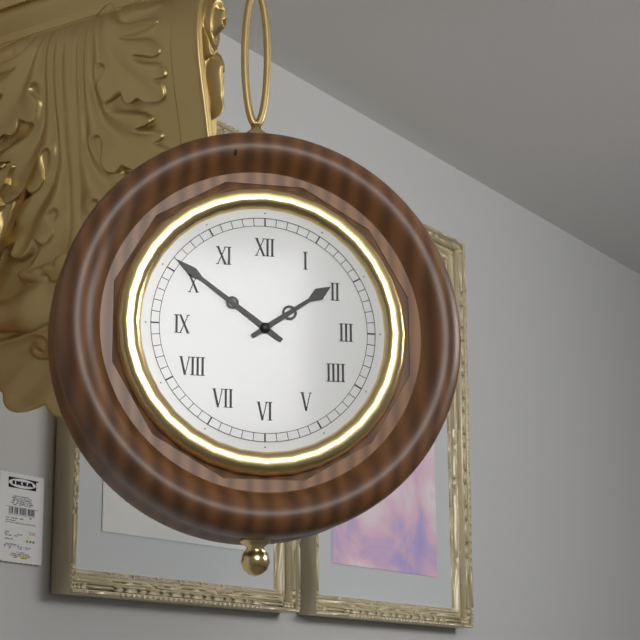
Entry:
h=1 m=51
